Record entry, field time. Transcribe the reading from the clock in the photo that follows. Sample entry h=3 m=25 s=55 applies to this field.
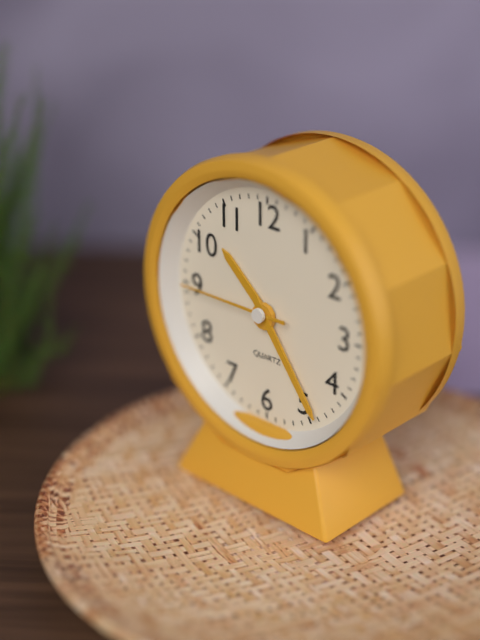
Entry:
h=10 m=24 s=45
